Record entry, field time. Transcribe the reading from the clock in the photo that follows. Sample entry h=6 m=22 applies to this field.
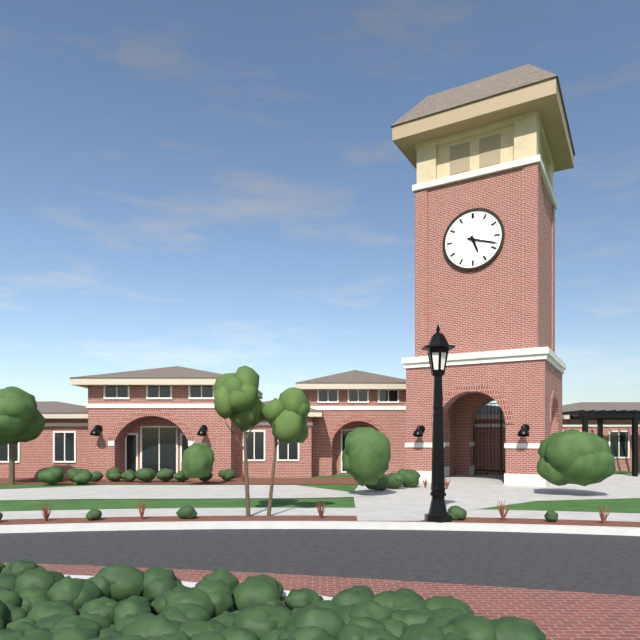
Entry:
h=5 m=18
